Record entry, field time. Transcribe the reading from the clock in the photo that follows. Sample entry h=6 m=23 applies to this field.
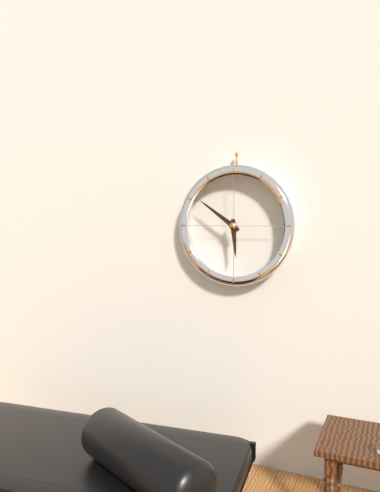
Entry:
h=5 m=51
